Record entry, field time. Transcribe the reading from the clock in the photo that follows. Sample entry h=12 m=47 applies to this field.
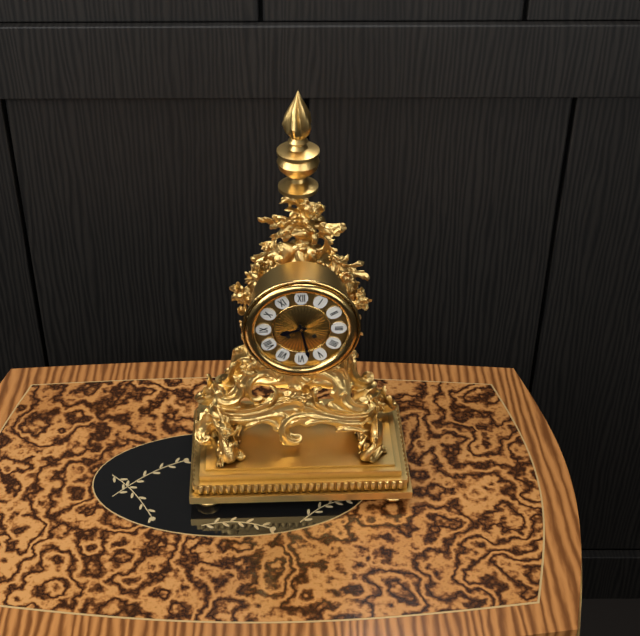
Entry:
h=8 m=28
